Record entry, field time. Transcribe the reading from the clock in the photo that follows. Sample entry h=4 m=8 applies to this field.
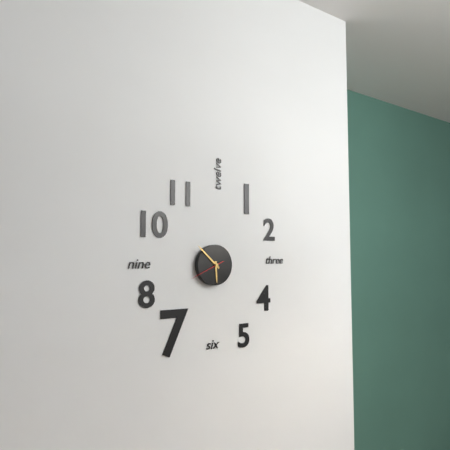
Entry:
h=5 m=52
